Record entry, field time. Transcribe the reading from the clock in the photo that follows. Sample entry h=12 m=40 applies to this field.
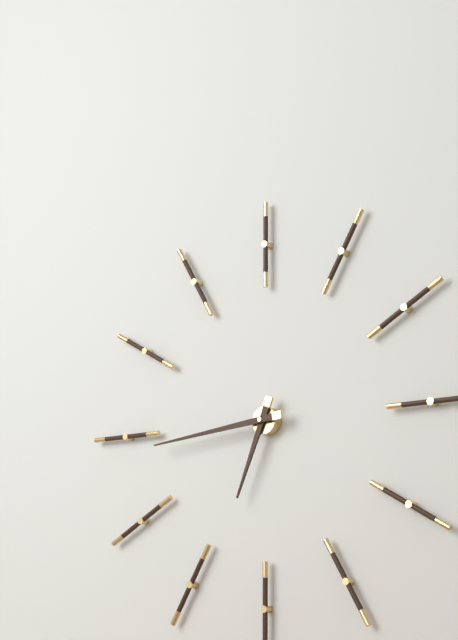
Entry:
h=6 m=44
